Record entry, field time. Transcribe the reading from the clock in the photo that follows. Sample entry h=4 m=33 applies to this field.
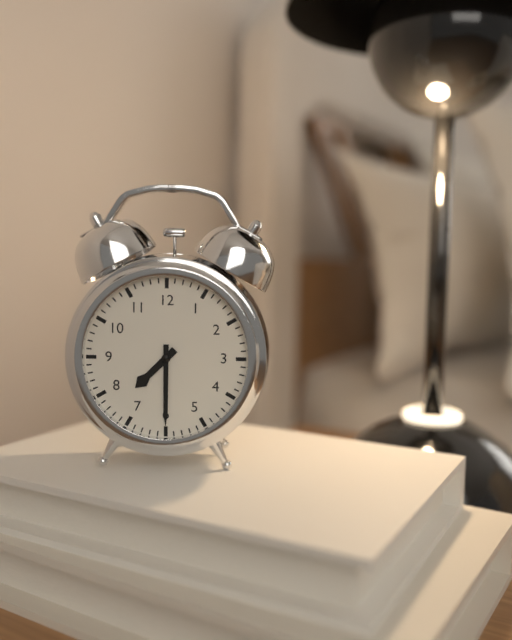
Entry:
h=7 m=30
